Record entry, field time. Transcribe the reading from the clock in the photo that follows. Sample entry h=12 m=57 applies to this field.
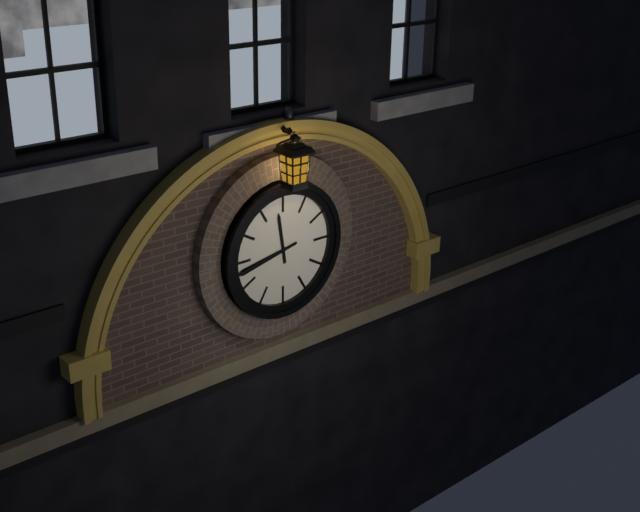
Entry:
h=11 m=43
